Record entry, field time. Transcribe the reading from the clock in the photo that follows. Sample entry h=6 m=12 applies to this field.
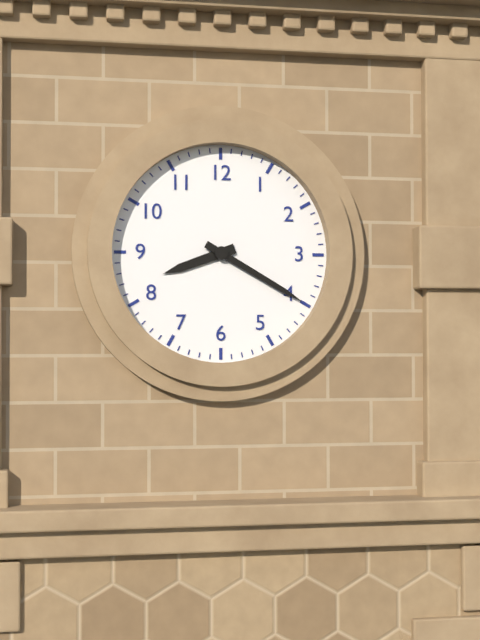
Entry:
h=8 m=20
